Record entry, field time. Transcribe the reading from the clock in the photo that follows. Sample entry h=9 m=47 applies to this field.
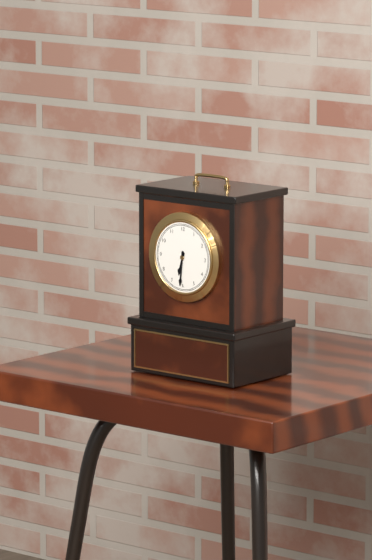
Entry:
h=6 m=31
